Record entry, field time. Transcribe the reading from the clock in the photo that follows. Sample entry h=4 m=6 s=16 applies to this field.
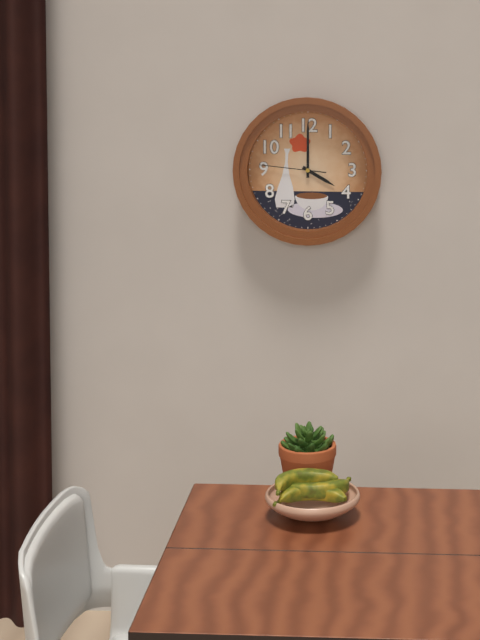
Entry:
h=4 m=0 s=46
